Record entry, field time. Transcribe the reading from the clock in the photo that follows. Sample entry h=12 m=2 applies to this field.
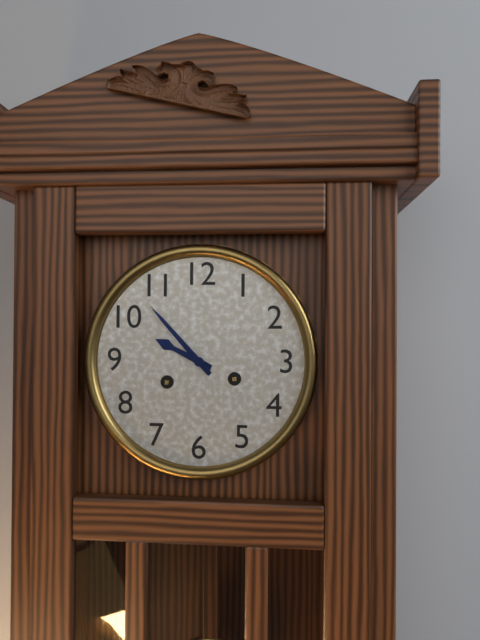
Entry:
h=9 m=53
